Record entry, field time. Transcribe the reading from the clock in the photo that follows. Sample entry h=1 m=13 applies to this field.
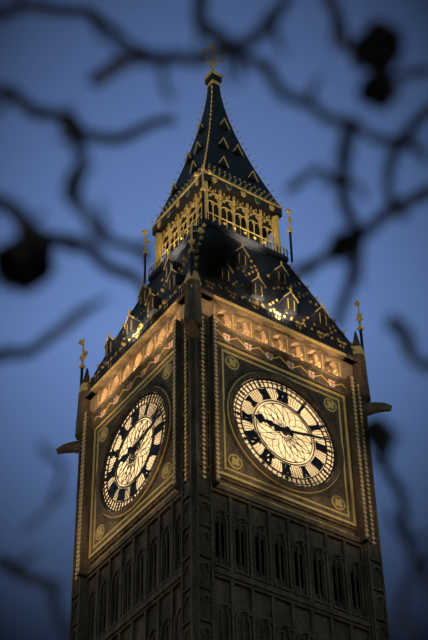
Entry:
h=9 m=13
